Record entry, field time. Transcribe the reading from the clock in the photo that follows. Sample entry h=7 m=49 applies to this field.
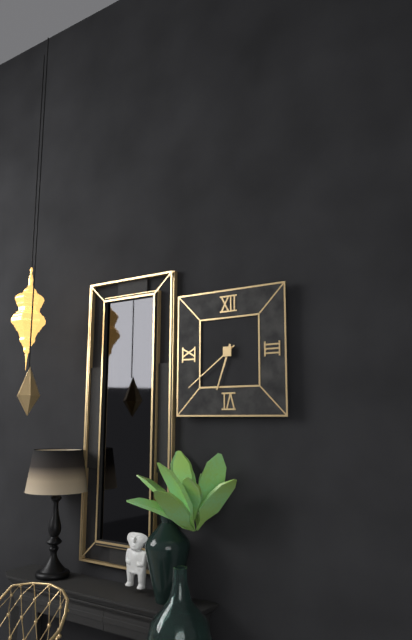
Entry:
h=6 m=39
